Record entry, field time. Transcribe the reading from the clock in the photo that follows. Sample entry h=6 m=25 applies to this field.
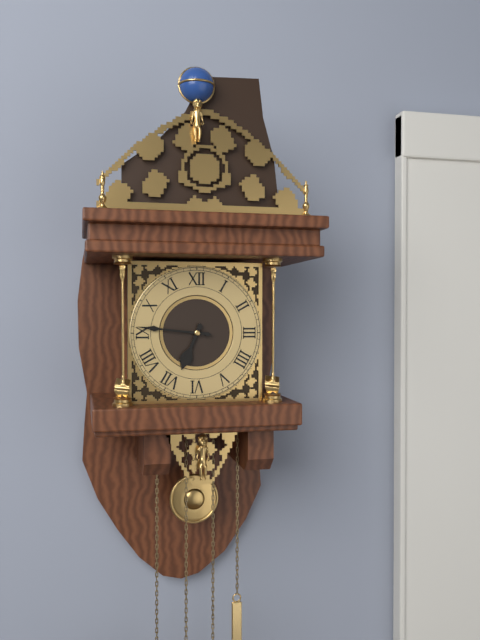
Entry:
h=6 m=46
